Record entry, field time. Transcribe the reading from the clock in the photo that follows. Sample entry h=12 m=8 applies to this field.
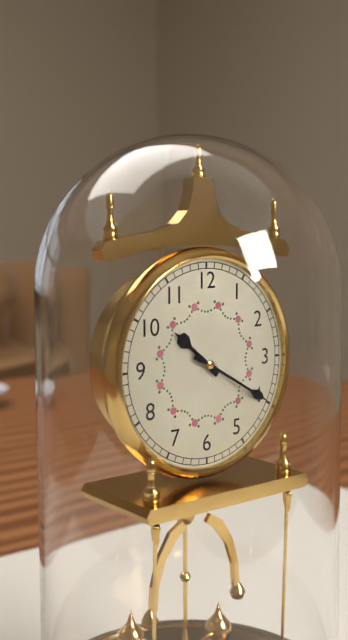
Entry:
h=10 m=20
